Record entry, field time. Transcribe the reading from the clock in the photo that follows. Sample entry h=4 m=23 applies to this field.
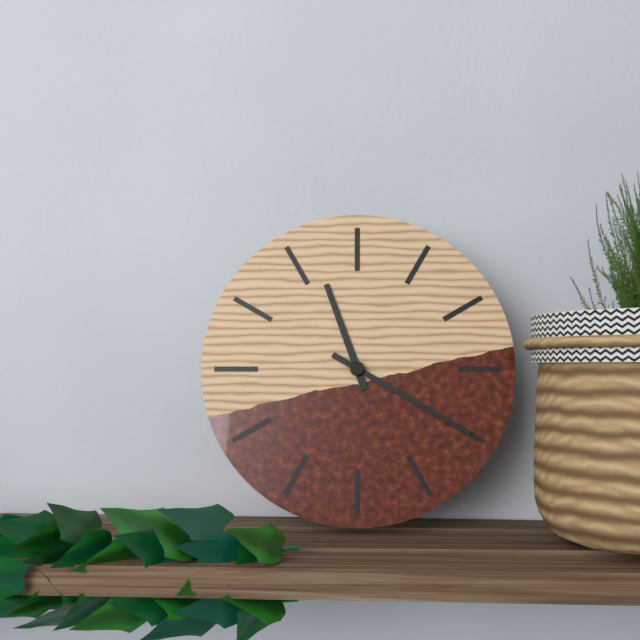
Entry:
h=11 m=20
